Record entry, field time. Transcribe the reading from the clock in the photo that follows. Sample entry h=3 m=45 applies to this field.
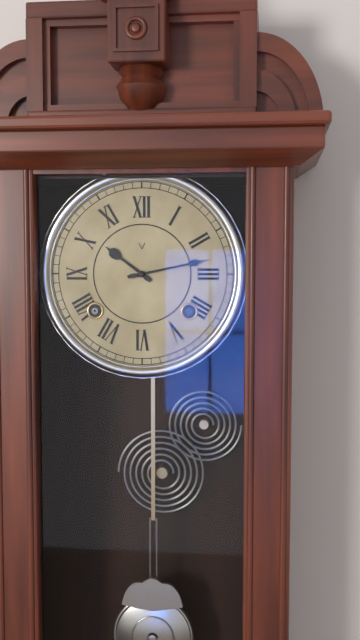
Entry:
h=10 m=13
